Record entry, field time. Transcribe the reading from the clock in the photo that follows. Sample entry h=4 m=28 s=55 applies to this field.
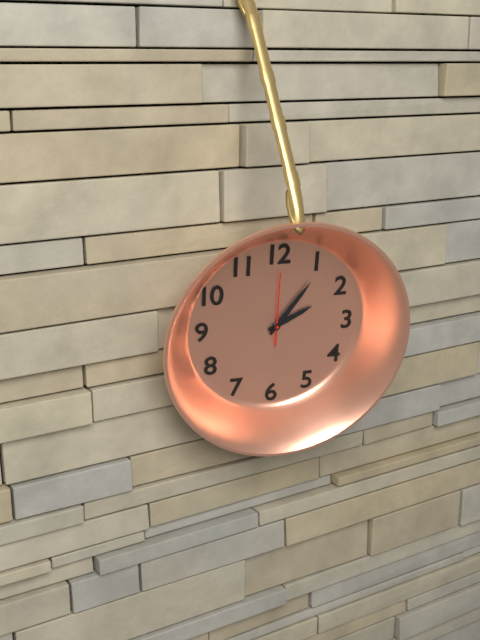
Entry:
h=2 m=6 s=0
